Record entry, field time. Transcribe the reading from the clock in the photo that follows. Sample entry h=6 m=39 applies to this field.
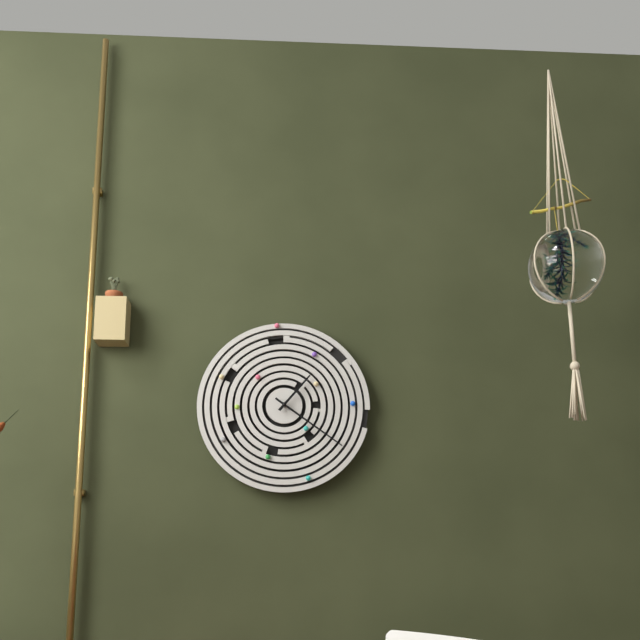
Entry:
h=1 m=21
